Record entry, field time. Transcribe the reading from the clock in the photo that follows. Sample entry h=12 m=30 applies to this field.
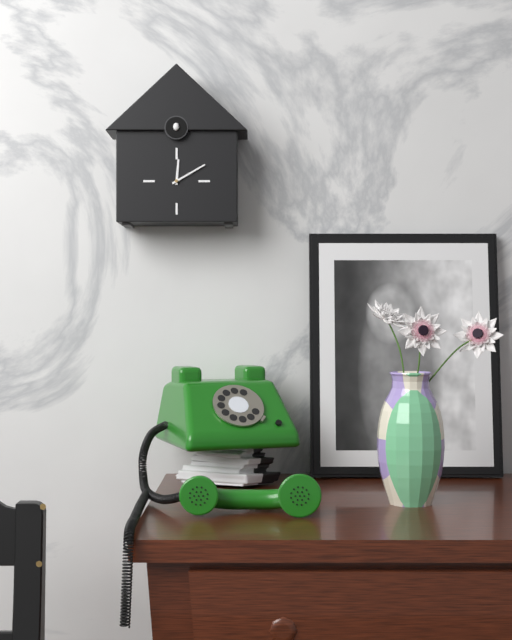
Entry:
h=12 m=10
